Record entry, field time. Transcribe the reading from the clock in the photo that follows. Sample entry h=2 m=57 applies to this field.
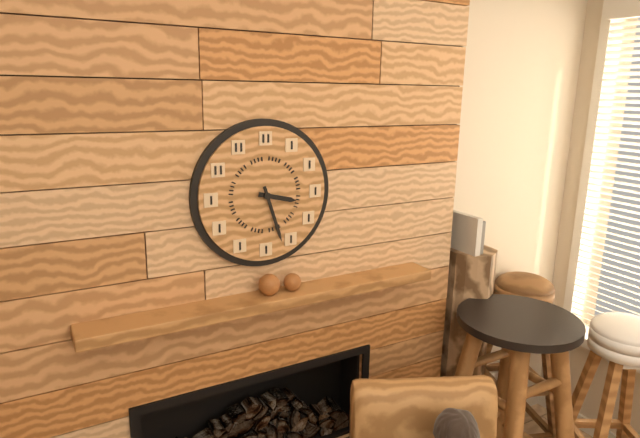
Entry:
h=3 m=27
